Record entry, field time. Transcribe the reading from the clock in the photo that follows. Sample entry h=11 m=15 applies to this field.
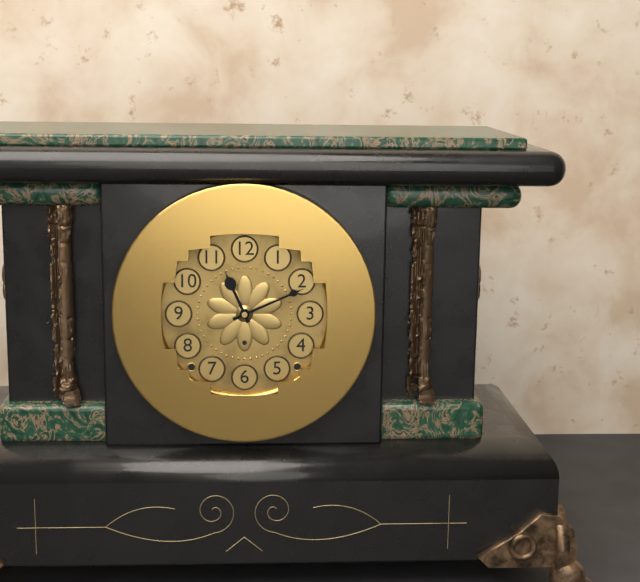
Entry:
h=11 m=11
